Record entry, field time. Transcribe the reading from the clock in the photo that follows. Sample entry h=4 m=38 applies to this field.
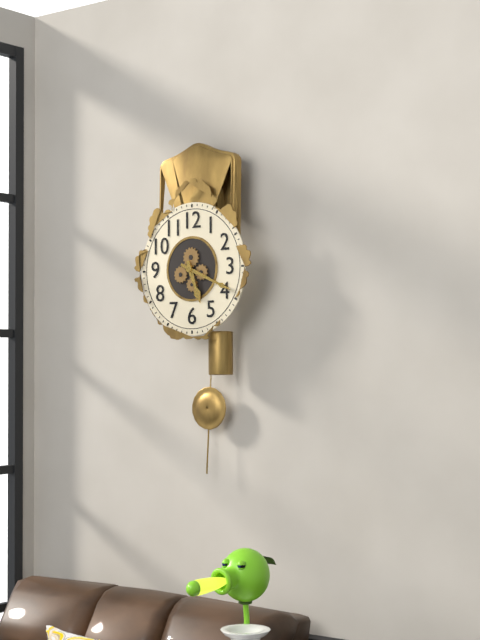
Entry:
h=5 m=19
